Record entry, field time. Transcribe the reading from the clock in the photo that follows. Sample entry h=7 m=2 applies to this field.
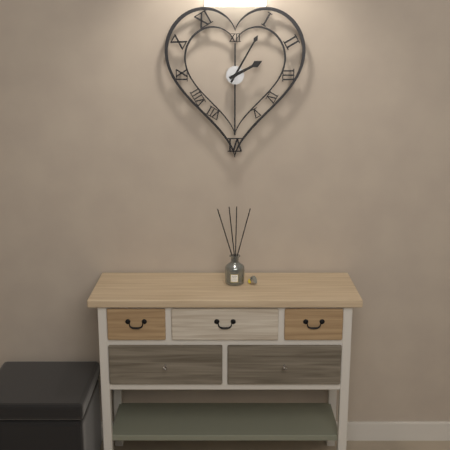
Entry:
h=2 m=5
